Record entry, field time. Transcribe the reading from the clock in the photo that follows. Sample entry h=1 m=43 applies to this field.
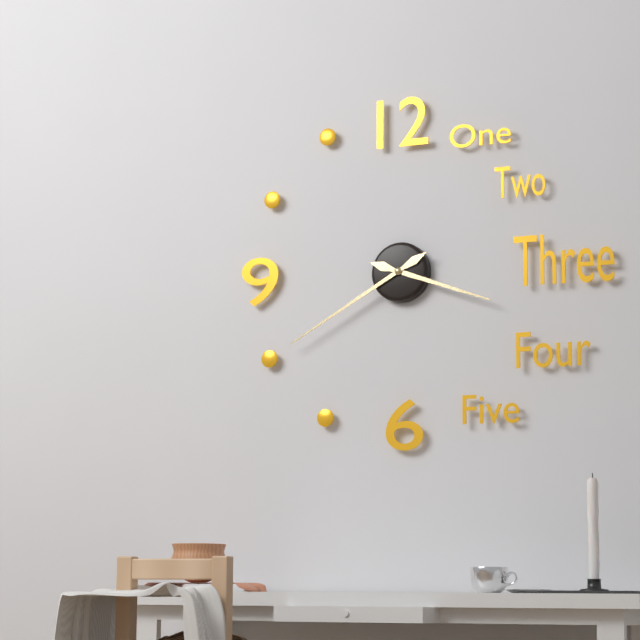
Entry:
h=3 m=40
